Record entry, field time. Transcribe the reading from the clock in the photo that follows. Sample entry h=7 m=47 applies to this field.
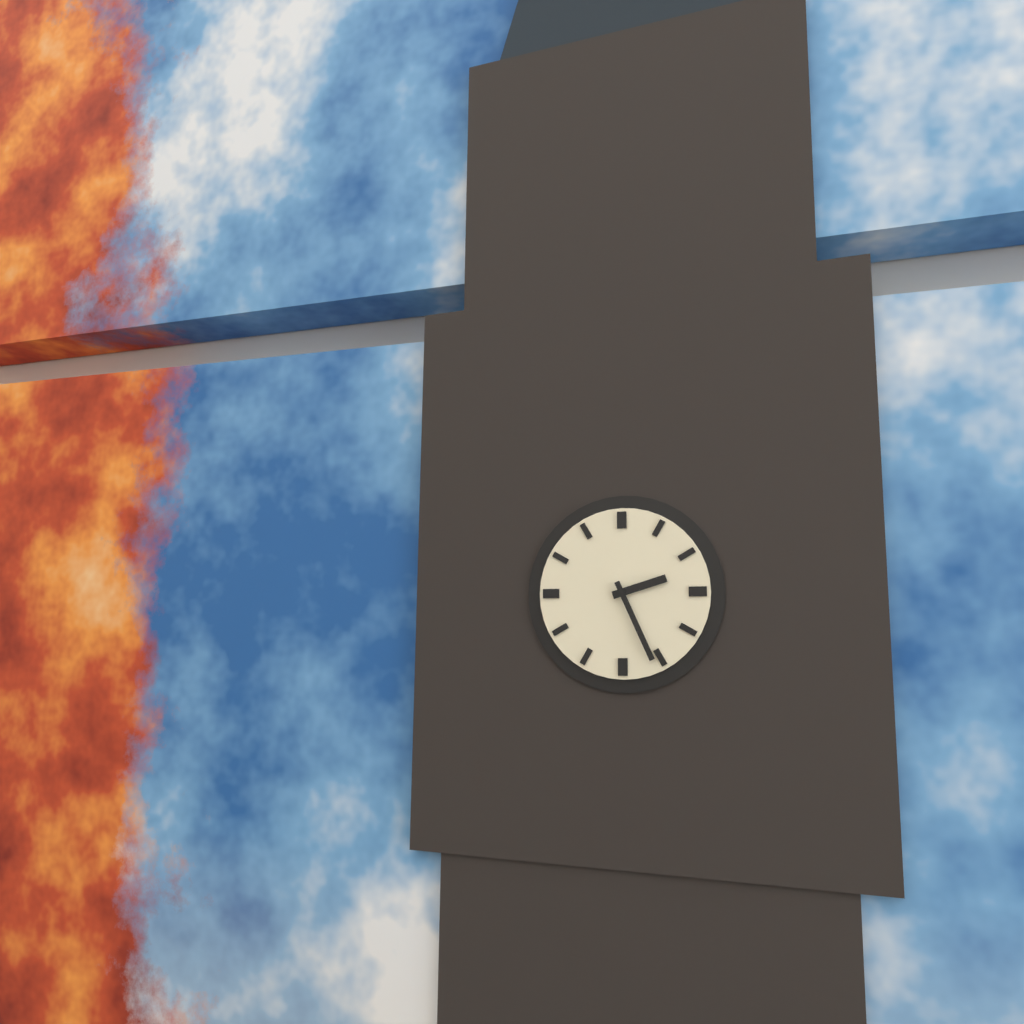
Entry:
h=2 m=26
